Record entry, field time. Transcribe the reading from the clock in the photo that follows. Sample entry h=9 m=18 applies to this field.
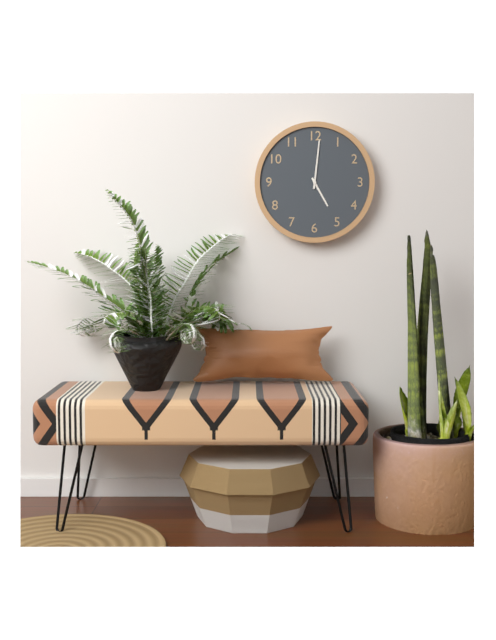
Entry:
h=5 m=1
